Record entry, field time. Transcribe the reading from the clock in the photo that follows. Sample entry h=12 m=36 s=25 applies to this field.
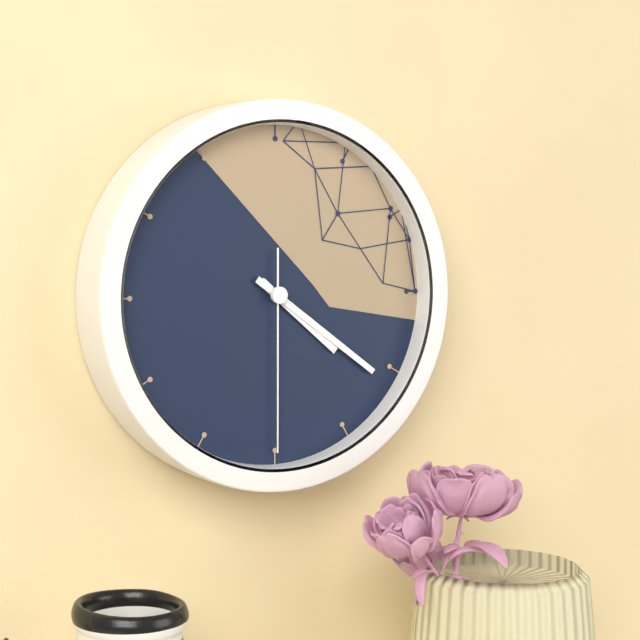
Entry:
h=4 m=21 s=30
